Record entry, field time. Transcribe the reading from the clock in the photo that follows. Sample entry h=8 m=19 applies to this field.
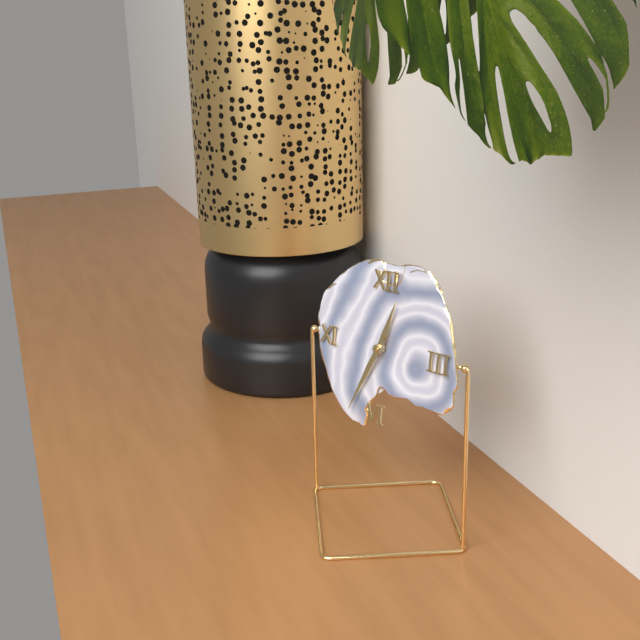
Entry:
h=12 m=34
